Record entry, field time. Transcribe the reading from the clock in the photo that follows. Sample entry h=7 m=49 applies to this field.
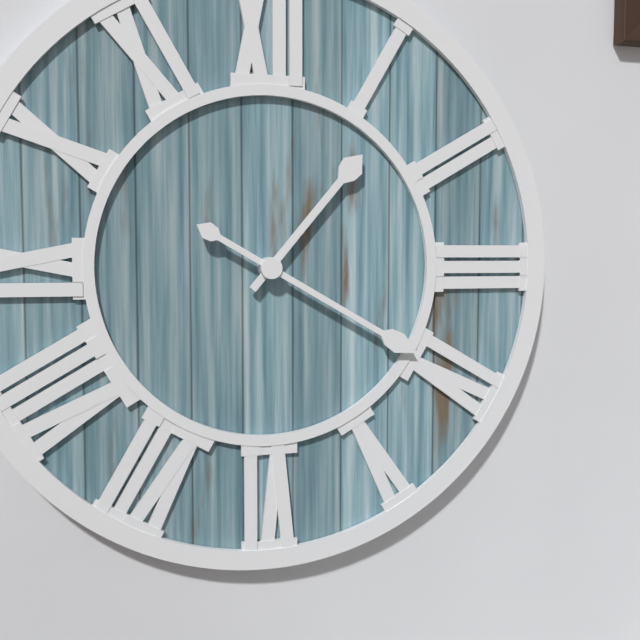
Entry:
h=1 m=20
